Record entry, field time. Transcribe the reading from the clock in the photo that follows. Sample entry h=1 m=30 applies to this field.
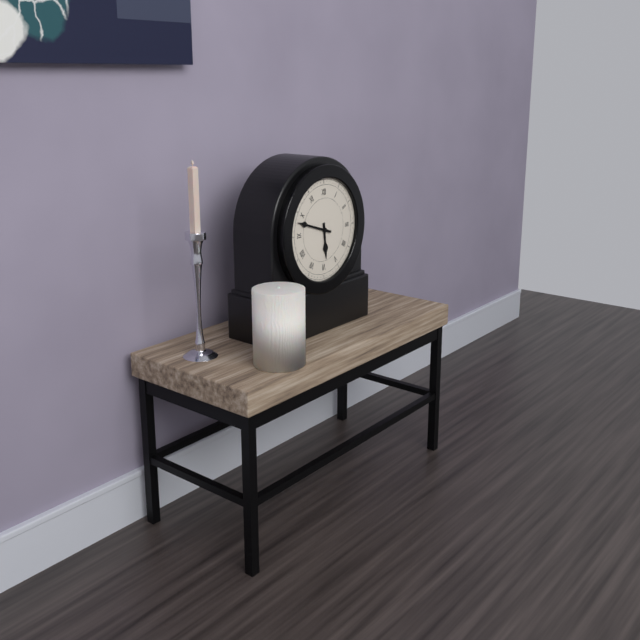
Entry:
h=5 m=48
